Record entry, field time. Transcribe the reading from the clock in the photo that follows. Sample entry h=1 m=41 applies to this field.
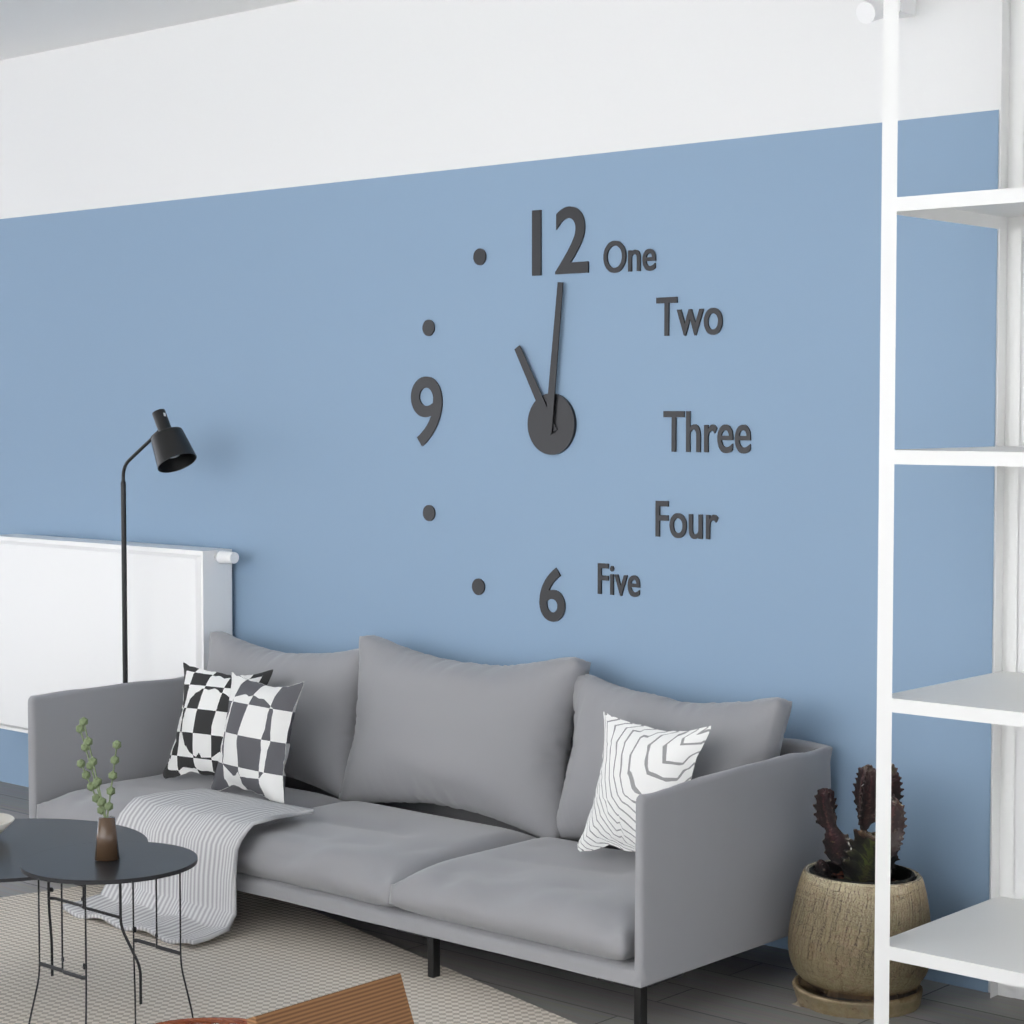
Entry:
h=11 m=1
